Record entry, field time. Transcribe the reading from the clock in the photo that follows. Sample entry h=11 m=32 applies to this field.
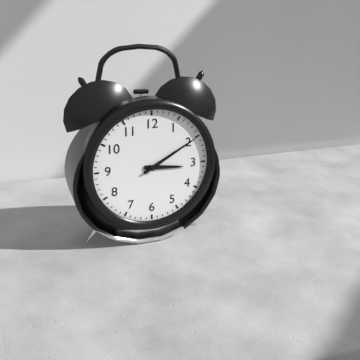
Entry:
h=3 m=10
